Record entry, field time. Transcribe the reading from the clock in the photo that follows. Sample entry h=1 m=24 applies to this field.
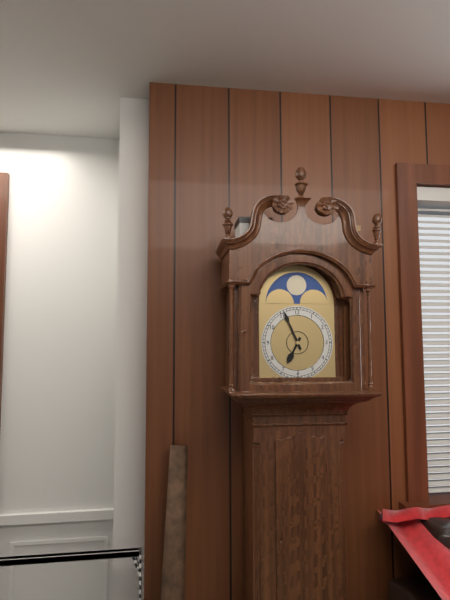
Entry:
h=6 m=56
